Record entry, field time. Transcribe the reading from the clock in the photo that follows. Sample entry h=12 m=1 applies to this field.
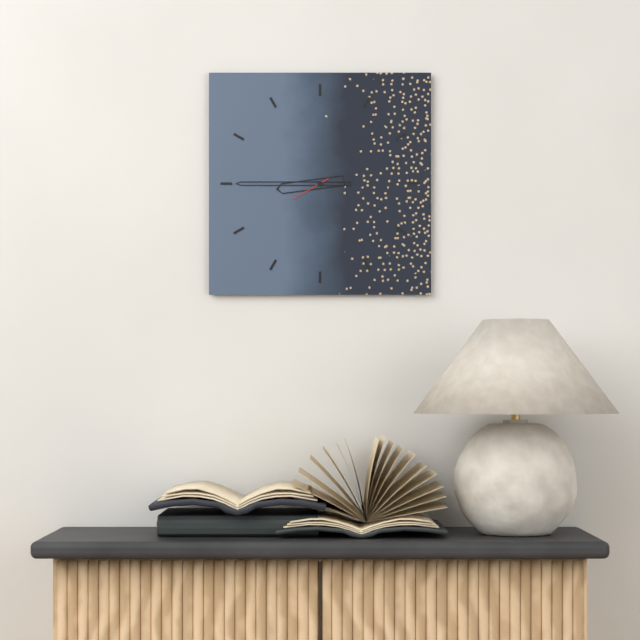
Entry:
h=8 m=45
